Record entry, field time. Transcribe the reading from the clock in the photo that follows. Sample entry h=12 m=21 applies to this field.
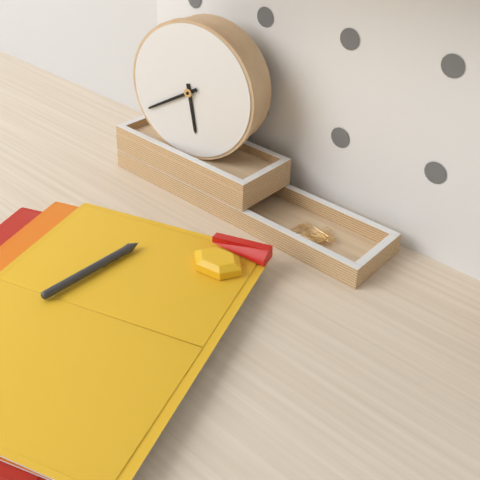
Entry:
h=5 m=40
